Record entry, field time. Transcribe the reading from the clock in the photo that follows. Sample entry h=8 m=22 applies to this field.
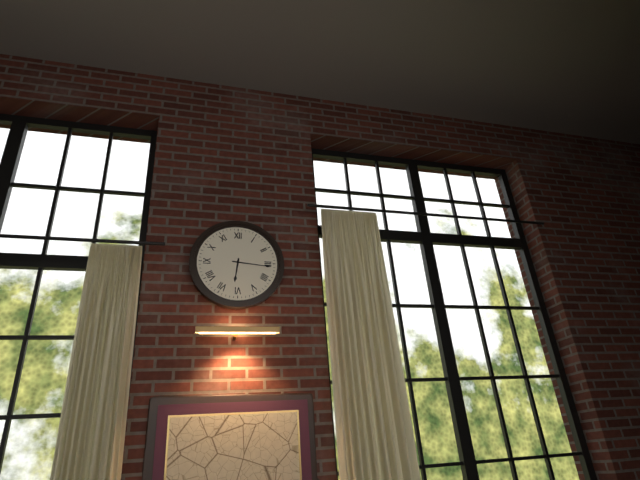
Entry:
h=6 m=16
